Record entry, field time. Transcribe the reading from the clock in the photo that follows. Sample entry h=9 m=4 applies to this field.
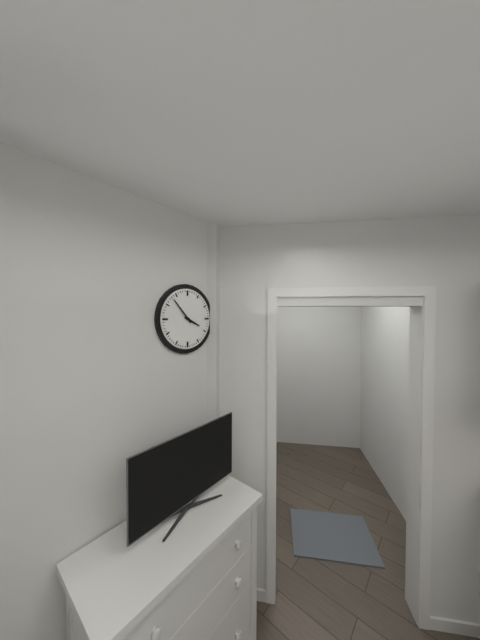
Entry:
h=3 m=53
